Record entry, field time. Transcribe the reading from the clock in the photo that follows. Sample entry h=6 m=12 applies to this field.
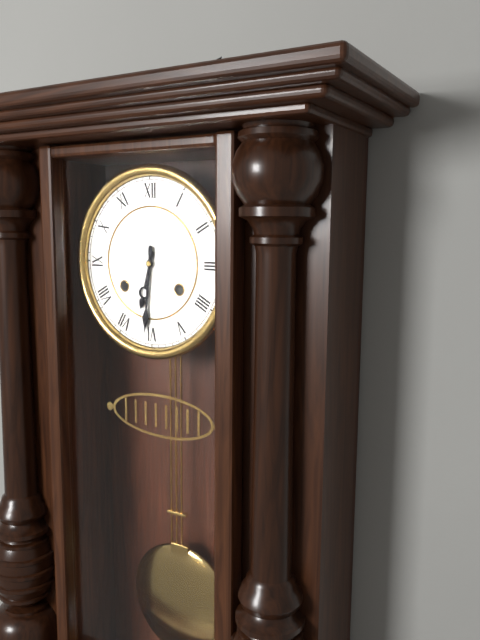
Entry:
h=6 m=31
